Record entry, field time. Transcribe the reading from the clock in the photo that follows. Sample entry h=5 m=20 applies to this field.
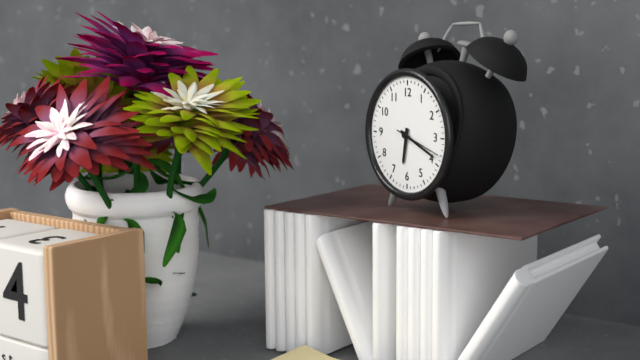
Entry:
h=6 m=19
